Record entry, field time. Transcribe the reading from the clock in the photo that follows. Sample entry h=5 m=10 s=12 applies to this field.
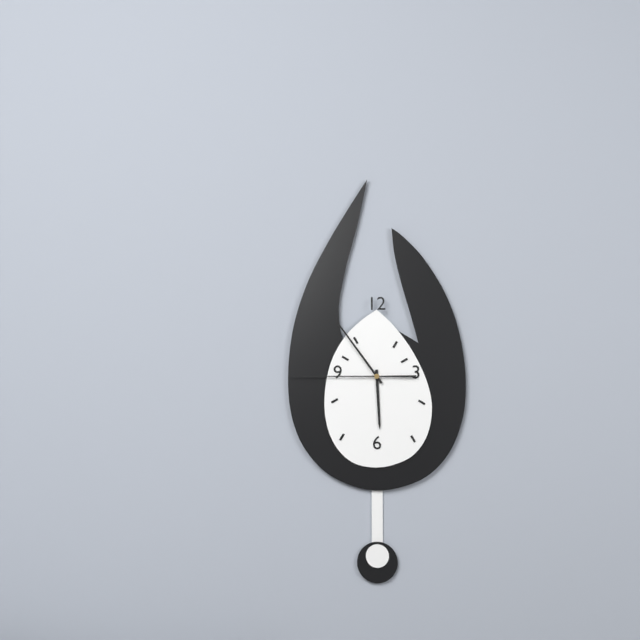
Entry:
h=5 m=54 s=45
